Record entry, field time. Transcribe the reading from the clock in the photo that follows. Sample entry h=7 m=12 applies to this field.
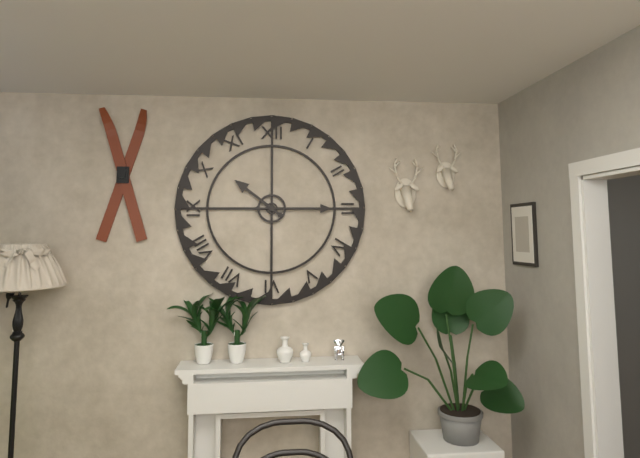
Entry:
h=10 m=15
